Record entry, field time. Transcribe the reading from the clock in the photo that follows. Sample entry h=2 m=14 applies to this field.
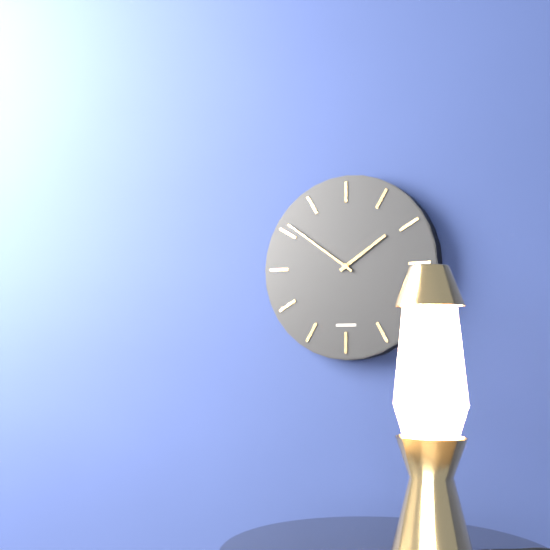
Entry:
h=1 m=51
